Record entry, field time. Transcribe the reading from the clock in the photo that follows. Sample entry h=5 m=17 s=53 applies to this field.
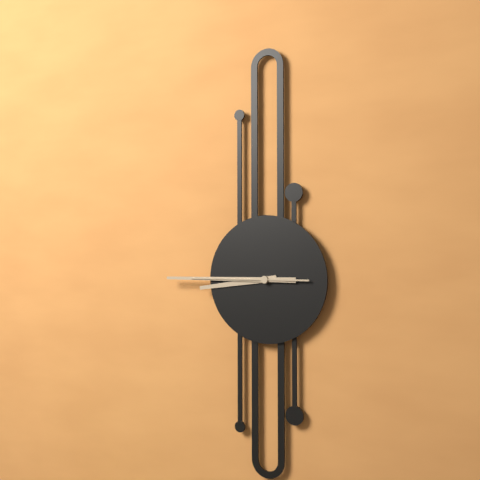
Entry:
h=8 m=45 s=45
